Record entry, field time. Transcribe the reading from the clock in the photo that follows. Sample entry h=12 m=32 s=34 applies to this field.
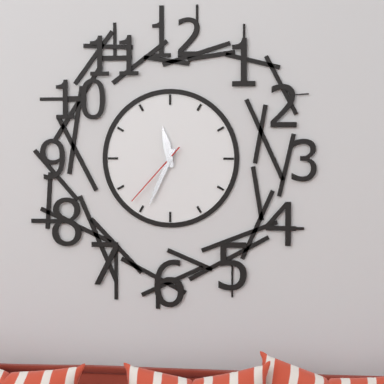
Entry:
h=11 m=34 s=37
